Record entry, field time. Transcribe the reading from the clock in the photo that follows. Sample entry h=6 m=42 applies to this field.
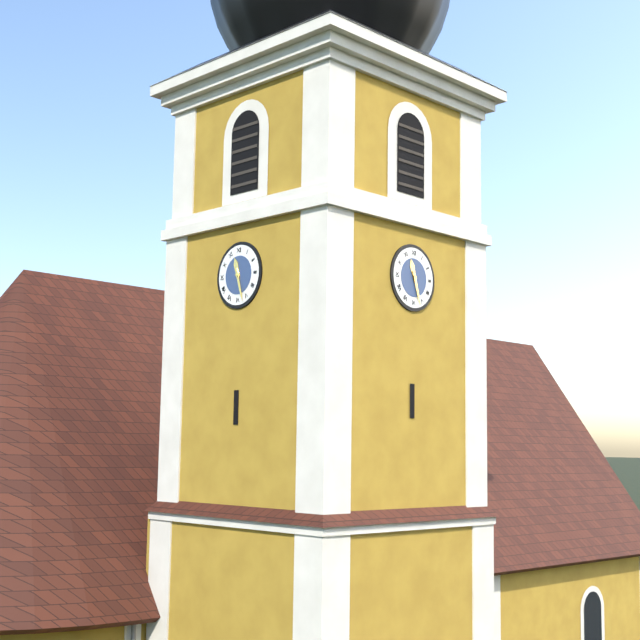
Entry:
h=11 m=27
